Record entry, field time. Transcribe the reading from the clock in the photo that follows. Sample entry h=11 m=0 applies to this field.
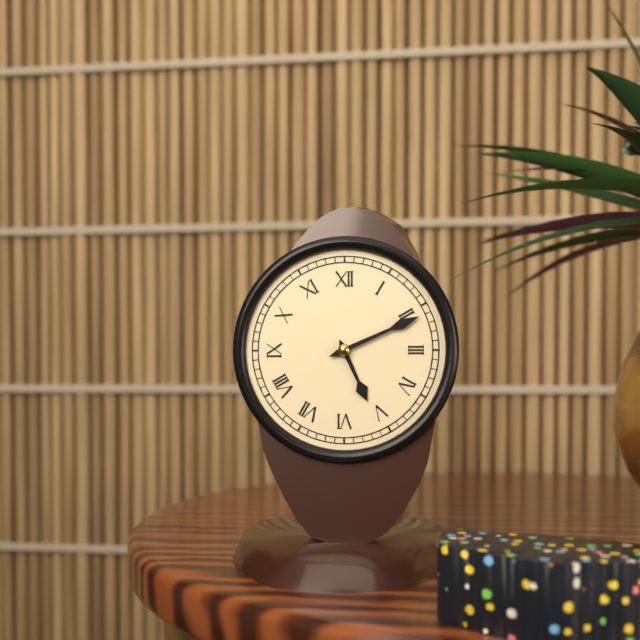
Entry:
h=5 m=11
